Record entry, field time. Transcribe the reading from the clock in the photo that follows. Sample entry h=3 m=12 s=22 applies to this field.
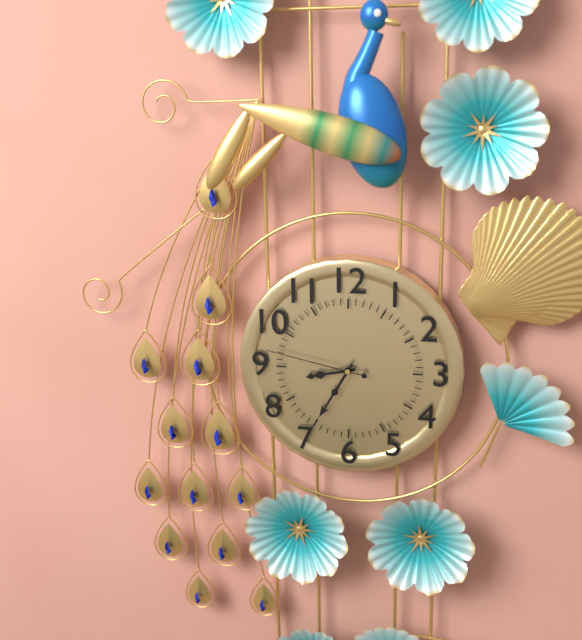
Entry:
h=8 m=35 s=47
